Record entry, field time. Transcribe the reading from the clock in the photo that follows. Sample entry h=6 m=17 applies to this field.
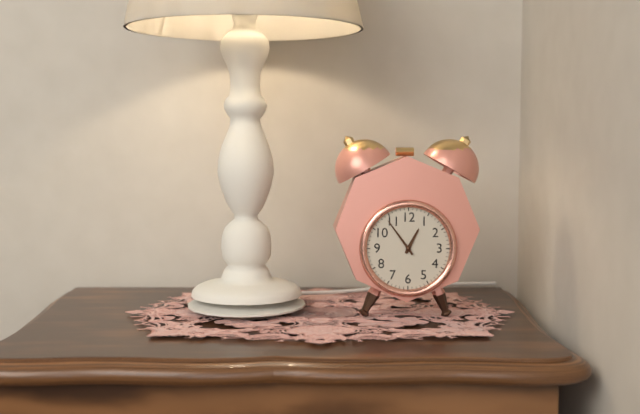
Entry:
h=12 m=54
